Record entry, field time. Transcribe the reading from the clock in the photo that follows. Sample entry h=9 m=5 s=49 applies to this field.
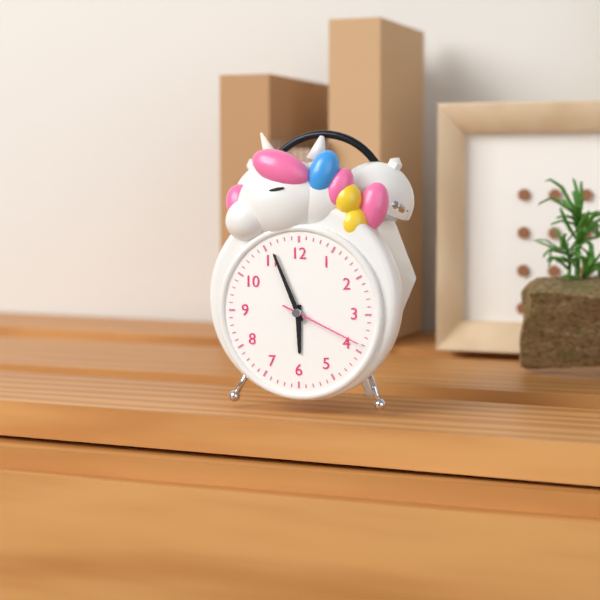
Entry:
h=5 m=56 s=19
